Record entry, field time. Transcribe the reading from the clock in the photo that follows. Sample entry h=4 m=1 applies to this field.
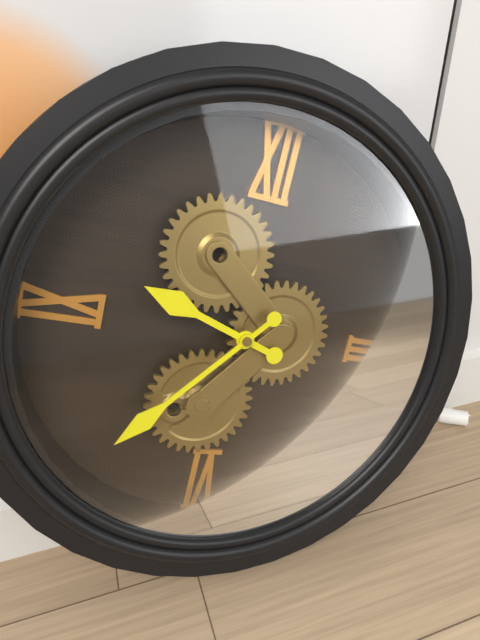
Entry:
h=9 m=37
